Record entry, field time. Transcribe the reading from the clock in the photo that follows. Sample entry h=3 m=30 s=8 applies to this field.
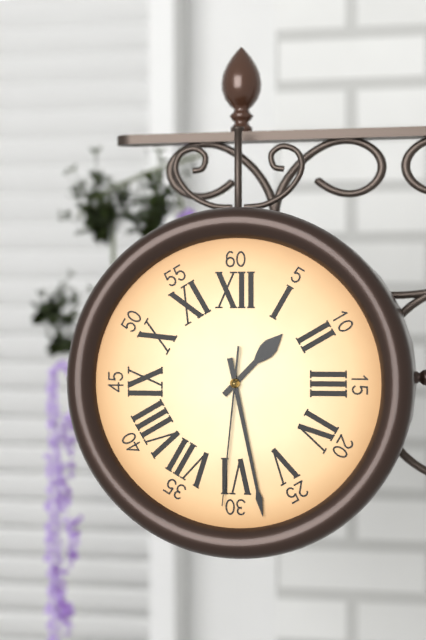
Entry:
h=1 m=28 s=31
